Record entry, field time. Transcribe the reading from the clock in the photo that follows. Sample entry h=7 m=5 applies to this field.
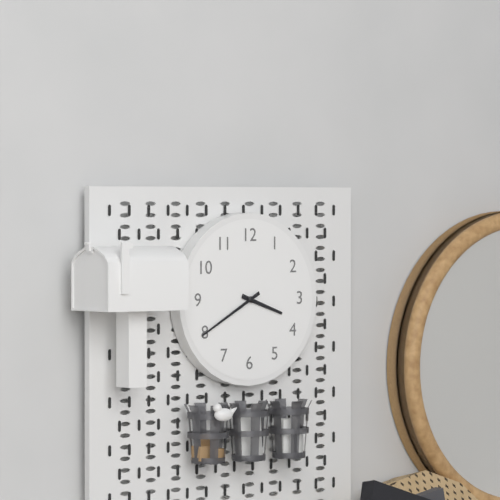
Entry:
h=3 m=40
